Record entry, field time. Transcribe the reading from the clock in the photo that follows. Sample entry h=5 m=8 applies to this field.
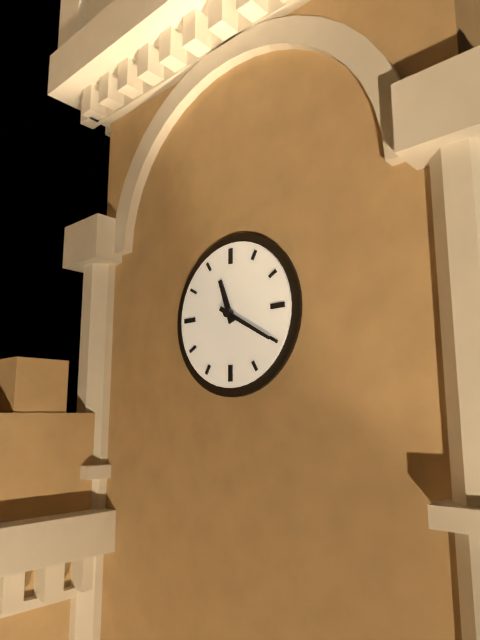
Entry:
h=11 m=20
